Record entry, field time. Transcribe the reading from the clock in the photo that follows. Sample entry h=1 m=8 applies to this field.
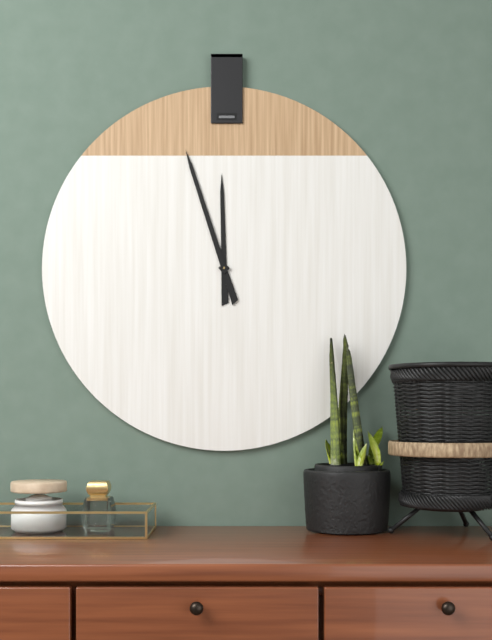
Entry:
h=11 m=57
